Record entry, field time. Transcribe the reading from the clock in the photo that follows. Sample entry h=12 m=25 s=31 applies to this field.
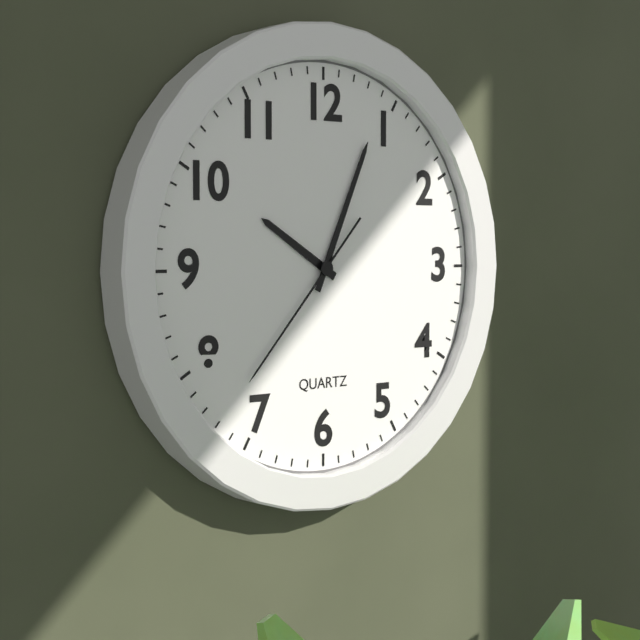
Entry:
h=10 m=4 s=37
